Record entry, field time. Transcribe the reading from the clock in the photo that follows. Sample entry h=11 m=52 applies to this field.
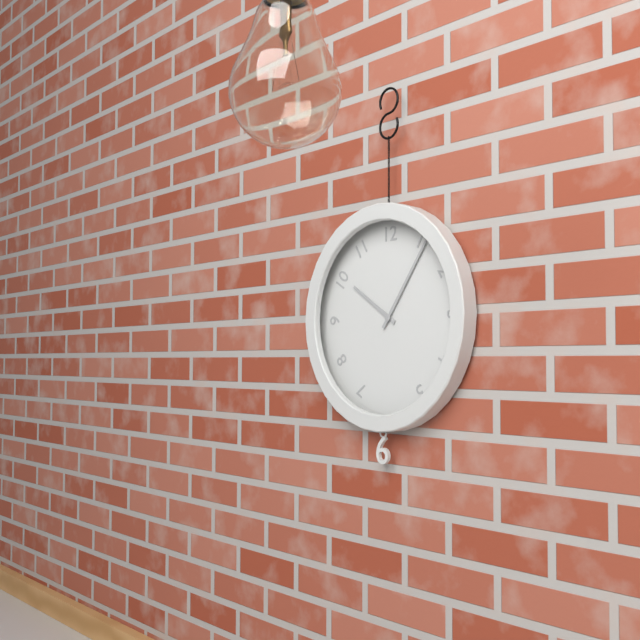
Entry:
h=10 m=6
